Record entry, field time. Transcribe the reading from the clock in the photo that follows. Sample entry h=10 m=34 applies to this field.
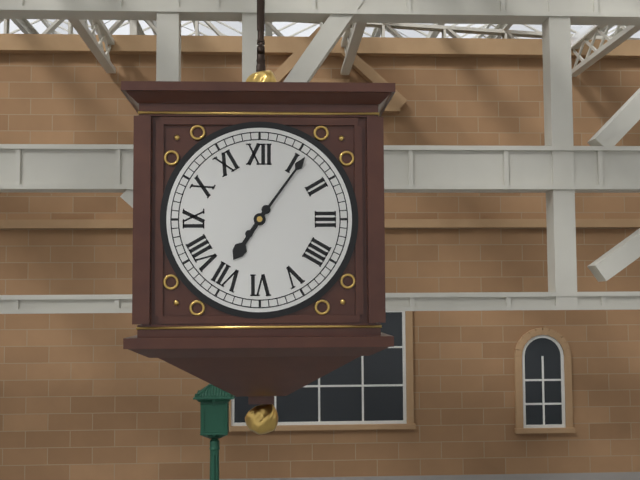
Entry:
h=7 m=6
